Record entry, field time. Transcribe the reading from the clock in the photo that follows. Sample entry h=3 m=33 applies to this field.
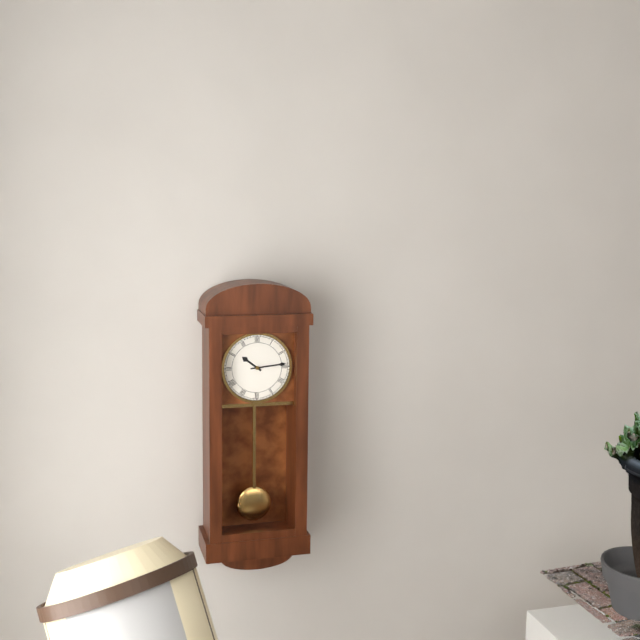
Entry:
h=10 m=14
